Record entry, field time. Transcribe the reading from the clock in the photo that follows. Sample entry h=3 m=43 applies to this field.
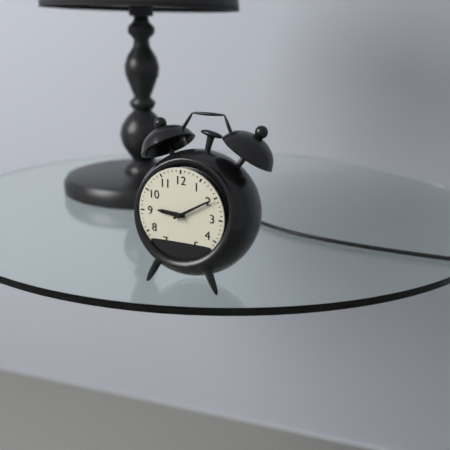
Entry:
h=9 m=10
